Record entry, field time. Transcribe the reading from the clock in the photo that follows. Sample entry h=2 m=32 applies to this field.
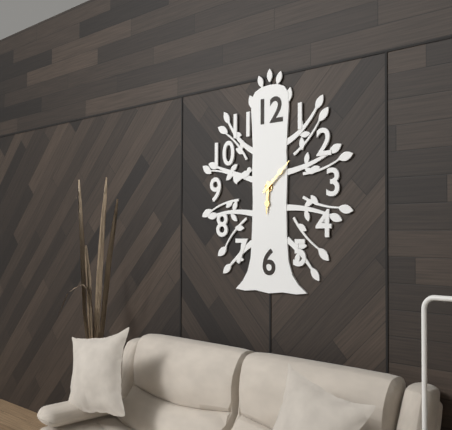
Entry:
h=6 m=8
